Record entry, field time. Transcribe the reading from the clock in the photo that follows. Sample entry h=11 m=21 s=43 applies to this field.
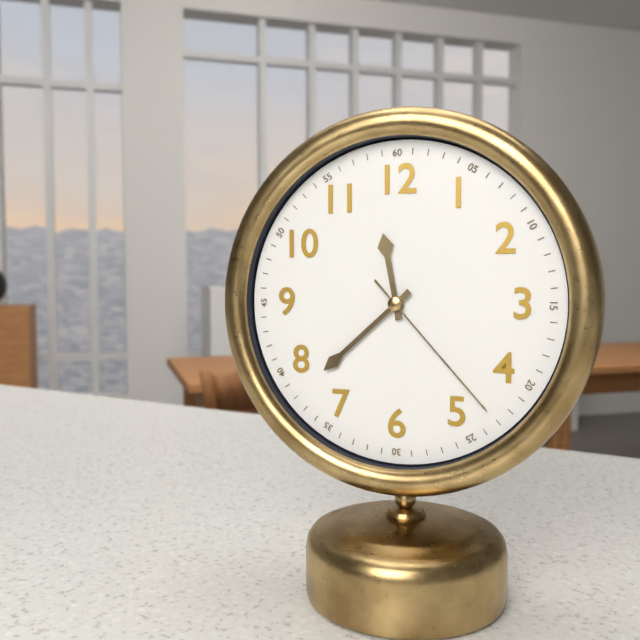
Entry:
h=11 m=38 s=23
